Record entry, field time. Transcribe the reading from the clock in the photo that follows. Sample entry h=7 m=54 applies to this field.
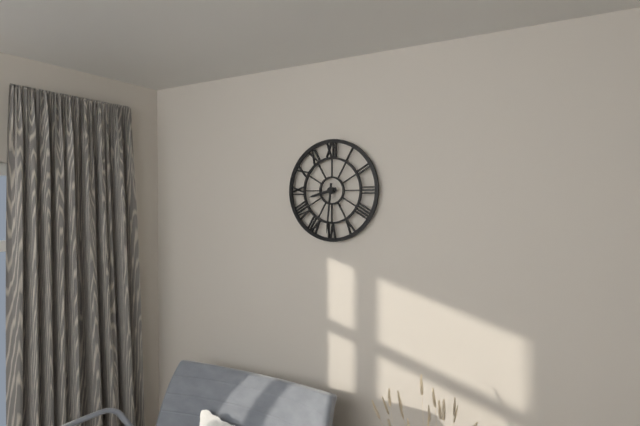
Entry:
h=8 m=31
